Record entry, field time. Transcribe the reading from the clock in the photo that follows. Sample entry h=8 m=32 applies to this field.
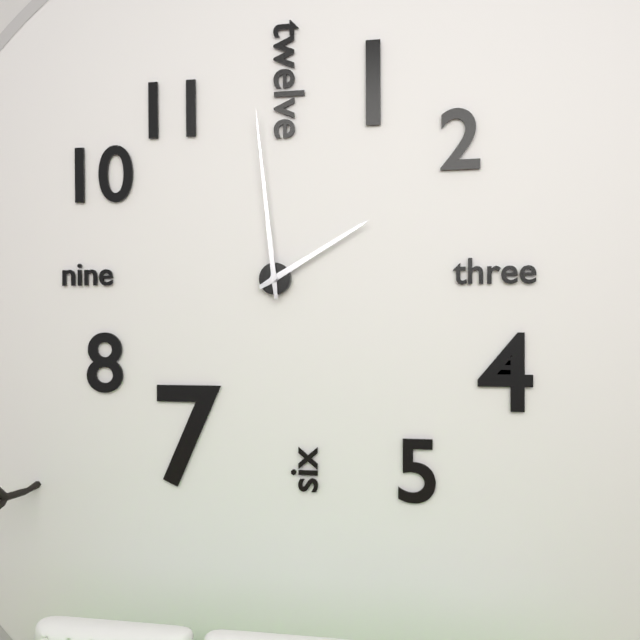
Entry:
h=1 m=59
